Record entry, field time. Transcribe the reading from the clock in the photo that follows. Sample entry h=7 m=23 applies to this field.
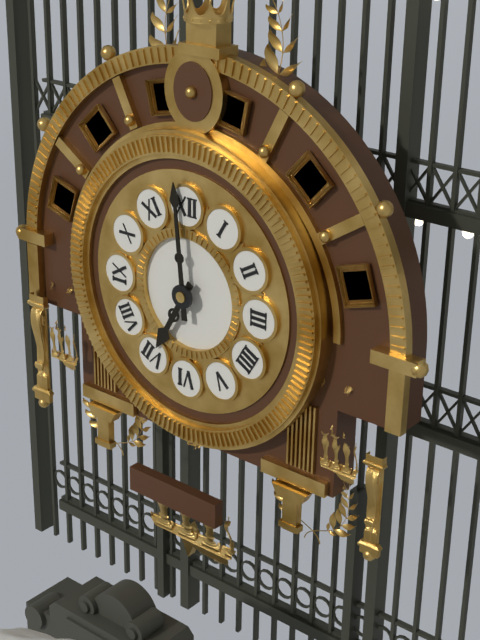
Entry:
h=6 m=59
